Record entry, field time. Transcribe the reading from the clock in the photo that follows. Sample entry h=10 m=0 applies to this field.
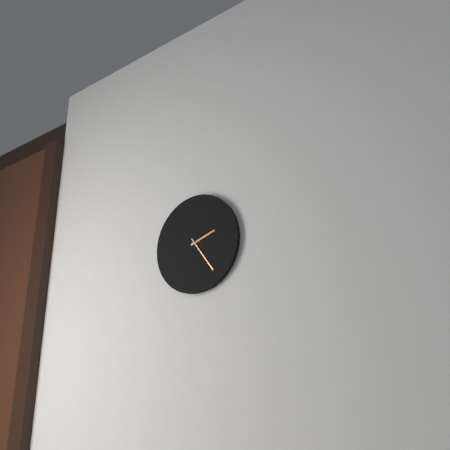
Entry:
h=2 m=24
